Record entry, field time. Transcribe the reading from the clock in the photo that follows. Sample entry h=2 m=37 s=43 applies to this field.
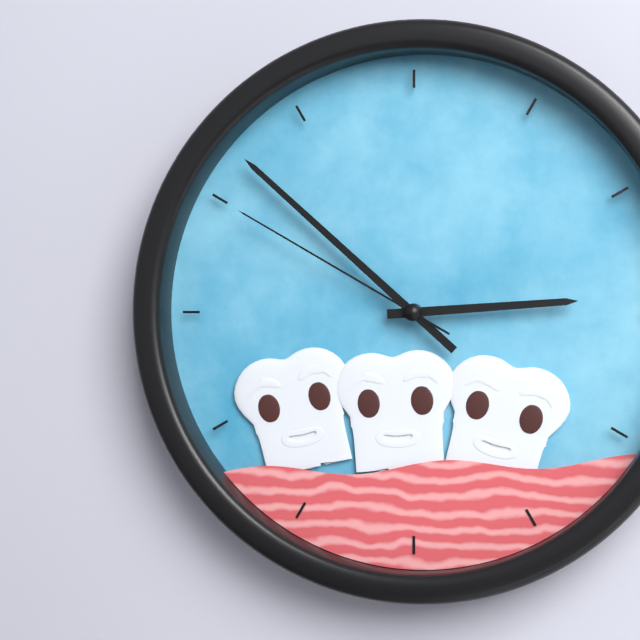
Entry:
h=2 m=52 s=50
